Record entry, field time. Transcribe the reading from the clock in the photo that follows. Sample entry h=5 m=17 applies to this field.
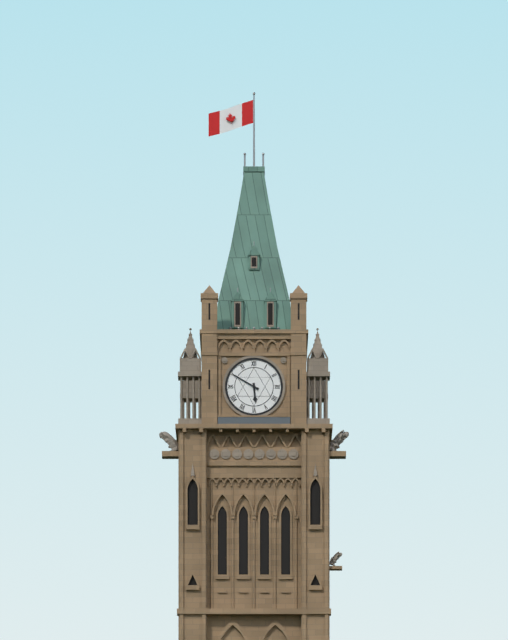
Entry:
h=5 m=50
